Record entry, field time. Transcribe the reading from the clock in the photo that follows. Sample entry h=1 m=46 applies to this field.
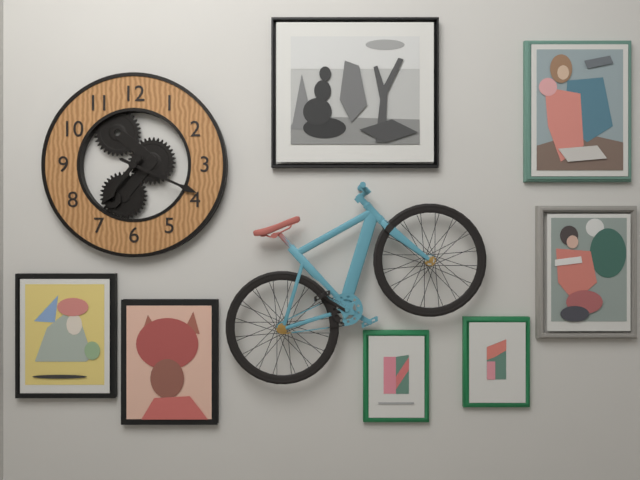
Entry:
h=7 m=19
